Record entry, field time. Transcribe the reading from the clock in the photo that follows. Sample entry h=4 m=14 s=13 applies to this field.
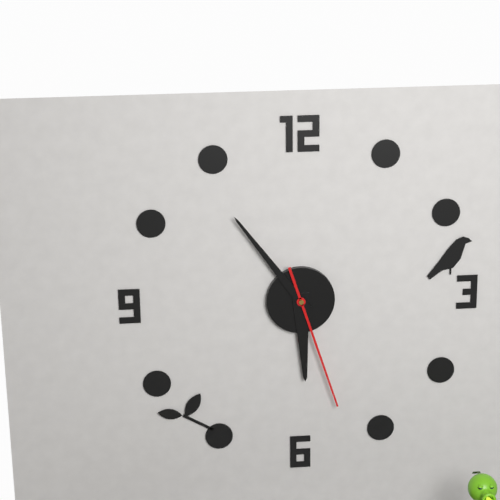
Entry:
h=5 m=54 s=27
